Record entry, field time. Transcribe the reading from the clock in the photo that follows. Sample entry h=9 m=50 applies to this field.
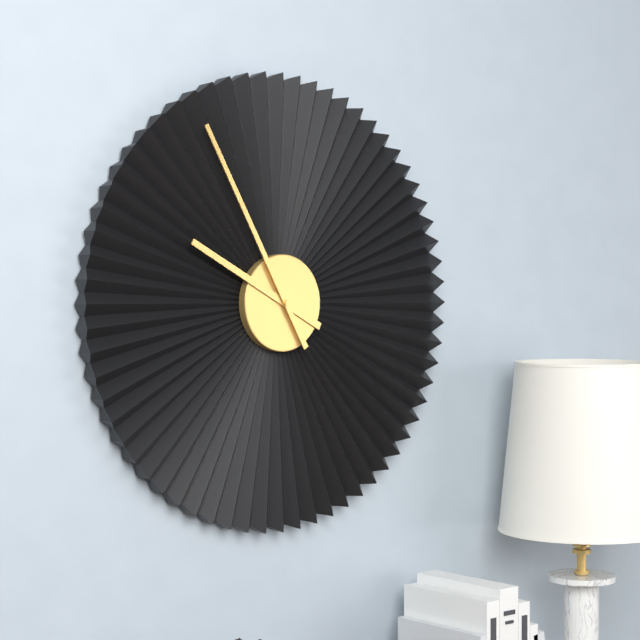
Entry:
h=9 m=55
